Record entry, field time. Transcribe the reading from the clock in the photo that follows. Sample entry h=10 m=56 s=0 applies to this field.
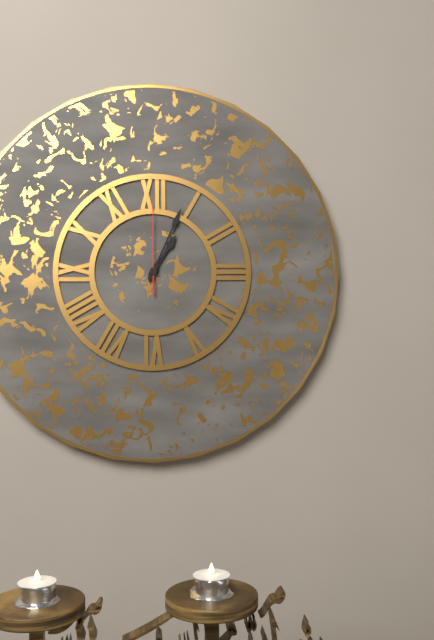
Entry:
h=1 m=4 s=0
